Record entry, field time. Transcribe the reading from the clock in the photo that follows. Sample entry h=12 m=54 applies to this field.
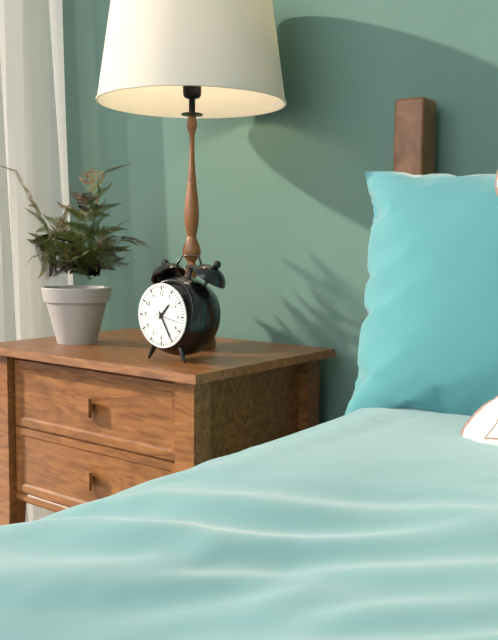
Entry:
h=1 m=25
